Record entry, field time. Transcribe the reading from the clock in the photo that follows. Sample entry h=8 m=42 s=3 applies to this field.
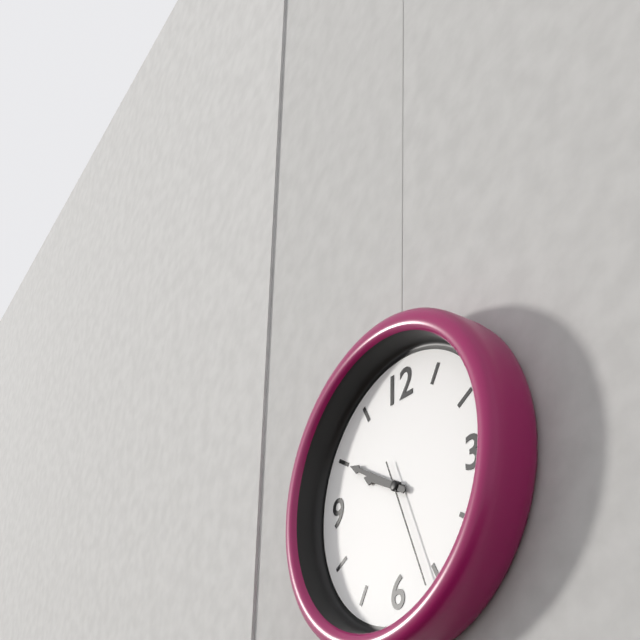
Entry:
h=9 m=50 s=26
